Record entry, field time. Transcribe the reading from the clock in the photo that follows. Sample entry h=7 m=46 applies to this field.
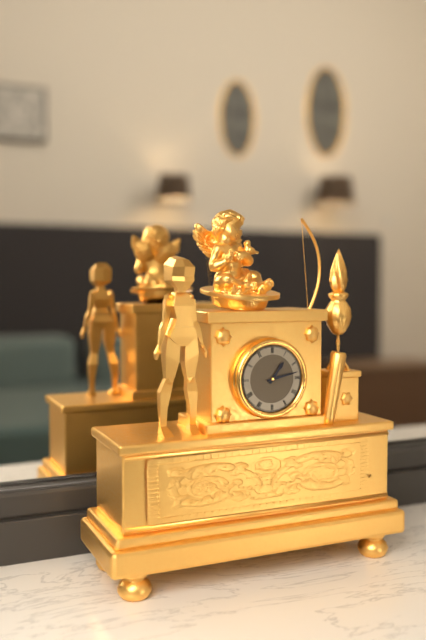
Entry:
h=1 m=13
